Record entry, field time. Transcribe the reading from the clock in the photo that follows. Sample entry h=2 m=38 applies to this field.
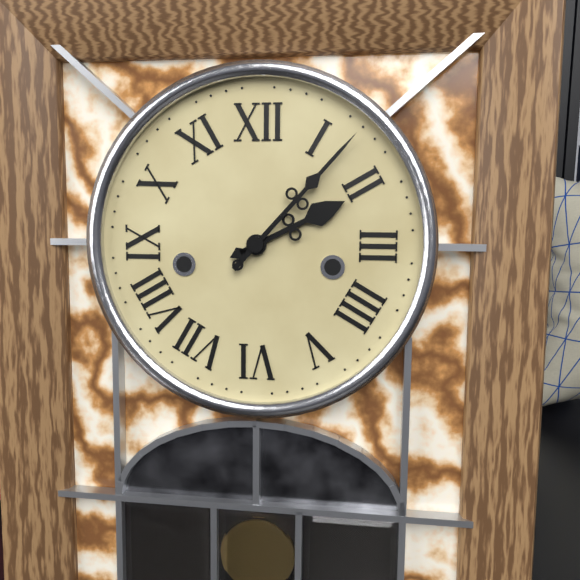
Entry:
h=2 m=7
